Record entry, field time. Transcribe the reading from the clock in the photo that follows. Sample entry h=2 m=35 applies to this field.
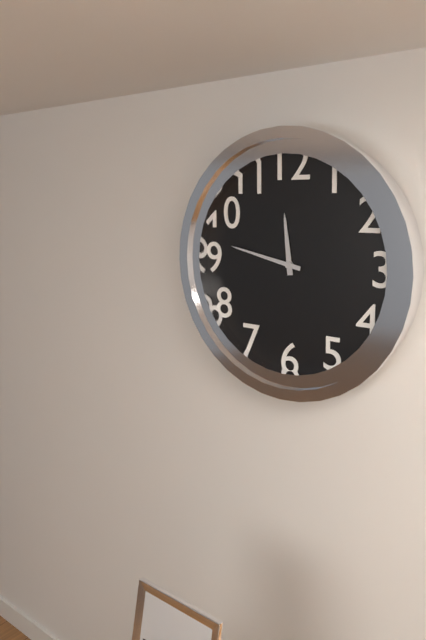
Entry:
h=11 m=47
